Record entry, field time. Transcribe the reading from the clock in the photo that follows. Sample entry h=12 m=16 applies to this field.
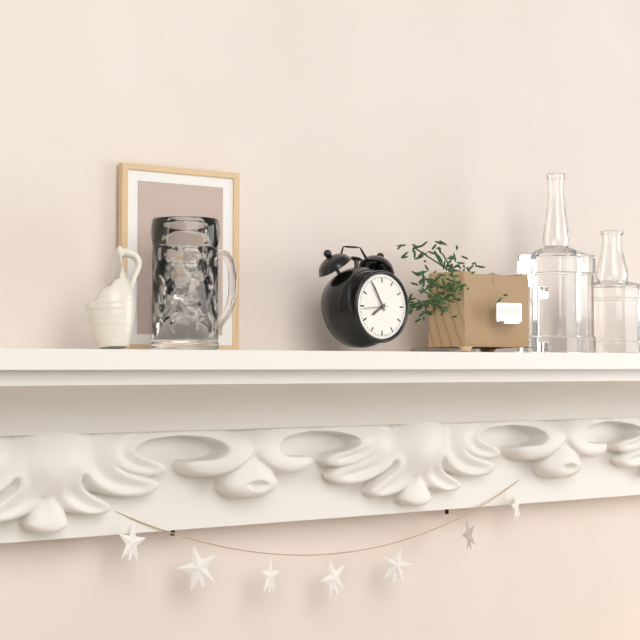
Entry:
h=7 m=55
